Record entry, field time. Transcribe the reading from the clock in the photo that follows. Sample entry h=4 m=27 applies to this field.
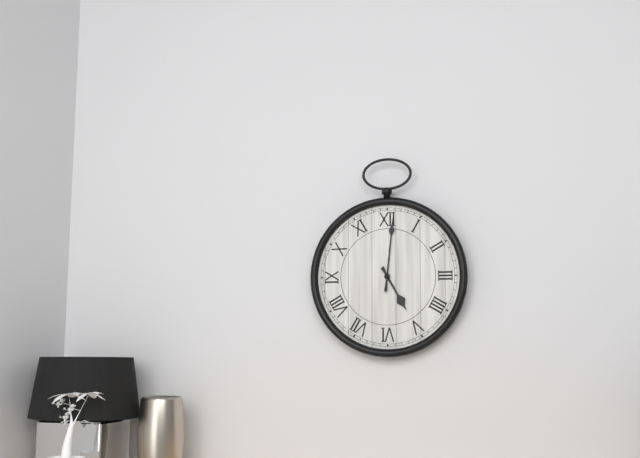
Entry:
h=5 m=1
